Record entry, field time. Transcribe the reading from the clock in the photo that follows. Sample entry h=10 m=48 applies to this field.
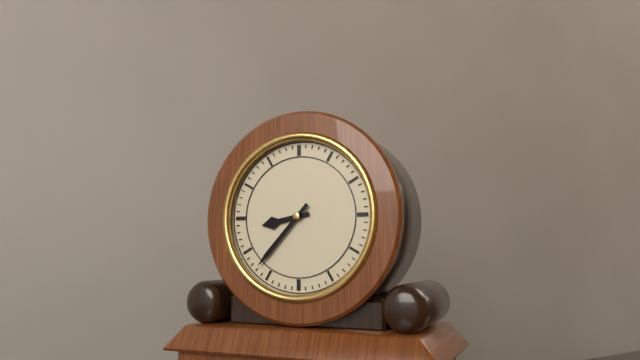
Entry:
h=8 m=37
